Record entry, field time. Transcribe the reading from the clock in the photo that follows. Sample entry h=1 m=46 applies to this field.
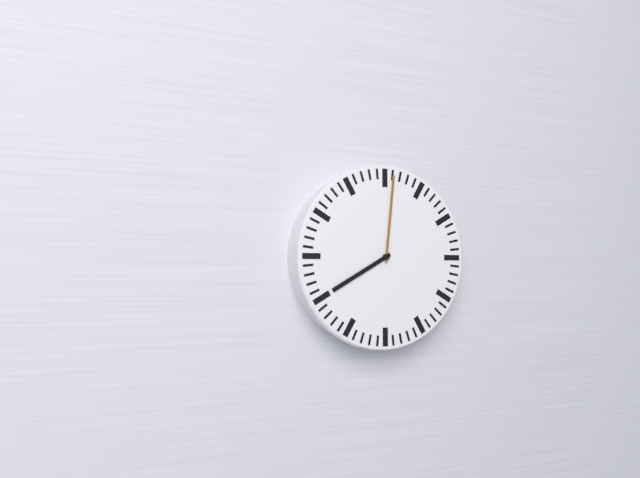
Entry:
h=8 m=1
